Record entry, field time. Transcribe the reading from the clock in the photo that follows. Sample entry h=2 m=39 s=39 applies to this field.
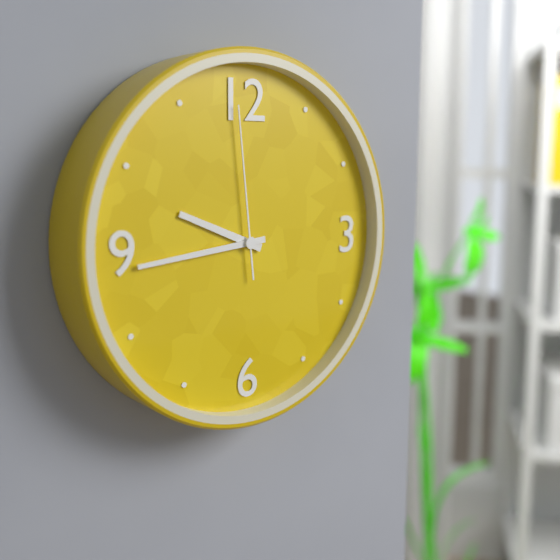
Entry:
h=9 m=44 s=59
